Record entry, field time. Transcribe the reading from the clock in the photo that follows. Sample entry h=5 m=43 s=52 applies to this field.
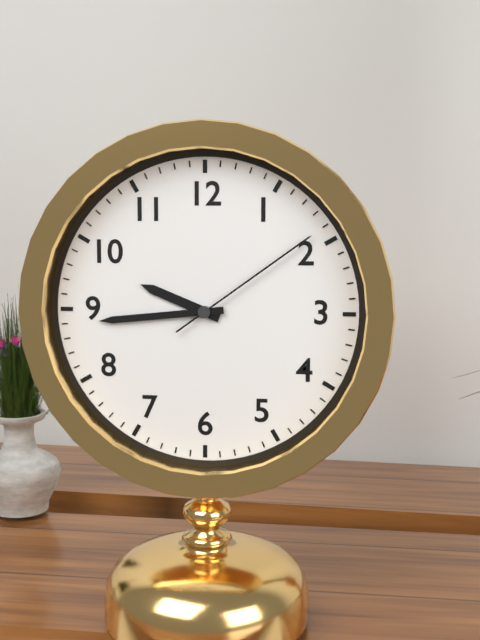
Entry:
h=9 m=44 s=9
